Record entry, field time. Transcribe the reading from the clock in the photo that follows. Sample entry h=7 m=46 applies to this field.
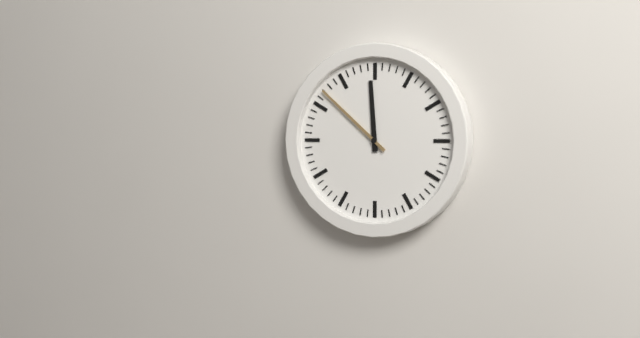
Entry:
h=11 m=52
